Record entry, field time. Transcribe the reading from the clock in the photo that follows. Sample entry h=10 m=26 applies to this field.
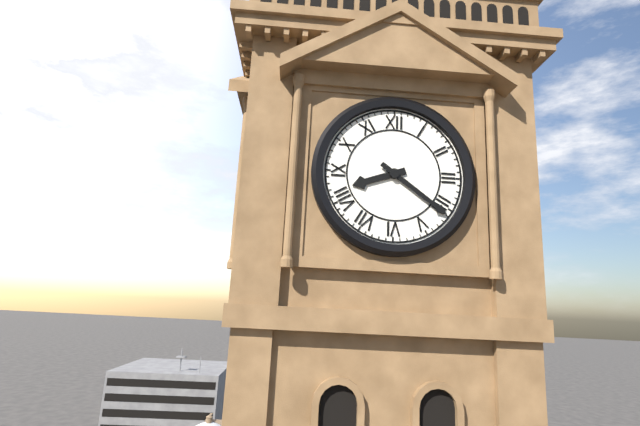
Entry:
h=8 m=21
